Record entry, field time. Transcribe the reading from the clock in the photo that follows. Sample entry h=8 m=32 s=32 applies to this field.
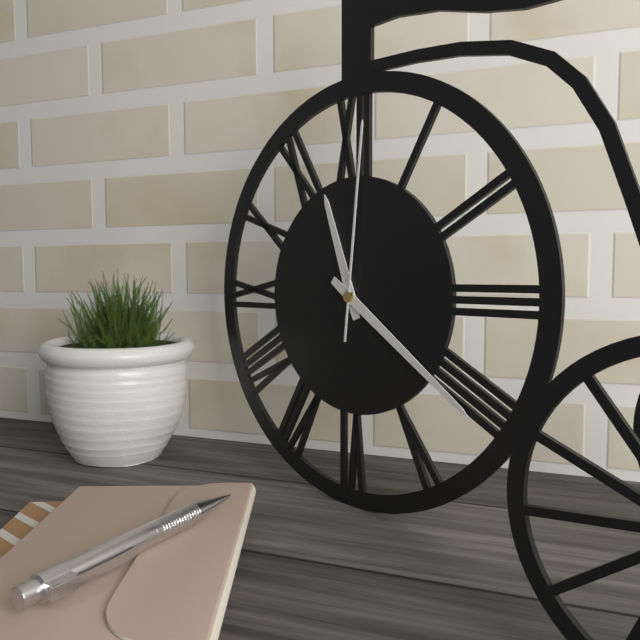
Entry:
h=11 m=21 s=1
